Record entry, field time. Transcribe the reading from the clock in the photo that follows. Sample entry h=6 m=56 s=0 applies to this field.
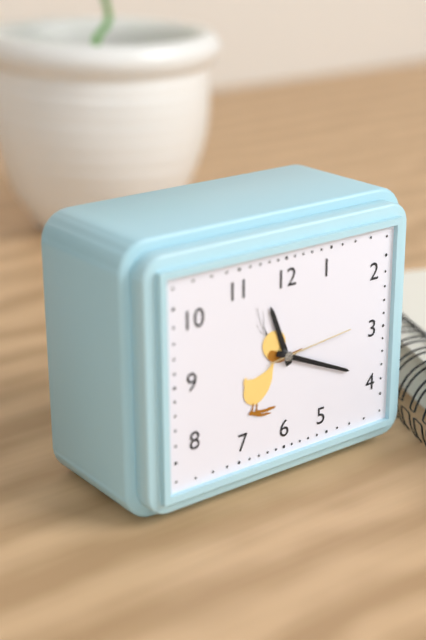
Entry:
h=11 m=19 s=14
